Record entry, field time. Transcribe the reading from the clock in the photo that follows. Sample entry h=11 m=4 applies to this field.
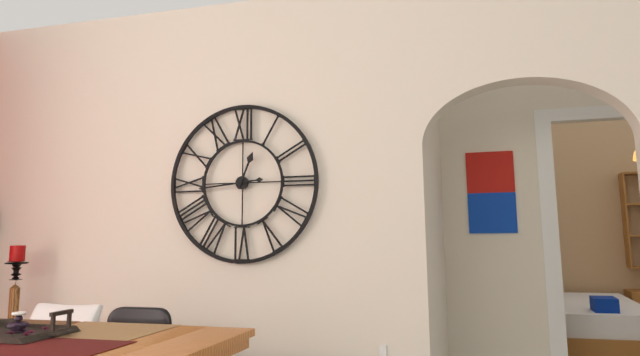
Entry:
h=12 m=44
